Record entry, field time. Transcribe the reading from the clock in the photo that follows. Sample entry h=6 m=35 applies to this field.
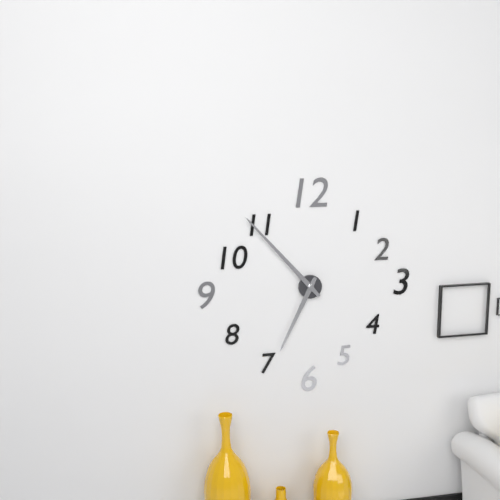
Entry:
h=6 m=53
